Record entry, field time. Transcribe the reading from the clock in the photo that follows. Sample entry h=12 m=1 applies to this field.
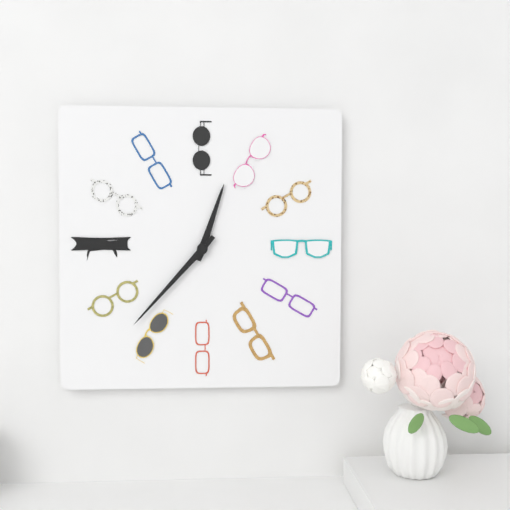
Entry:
h=12 m=37
